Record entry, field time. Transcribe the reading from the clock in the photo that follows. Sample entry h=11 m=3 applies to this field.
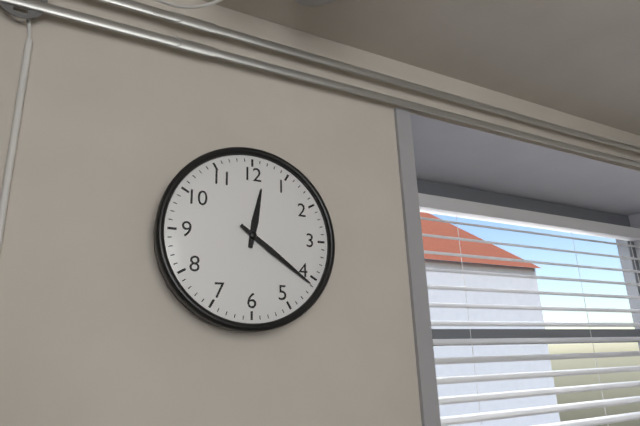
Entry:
h=12 m=21
